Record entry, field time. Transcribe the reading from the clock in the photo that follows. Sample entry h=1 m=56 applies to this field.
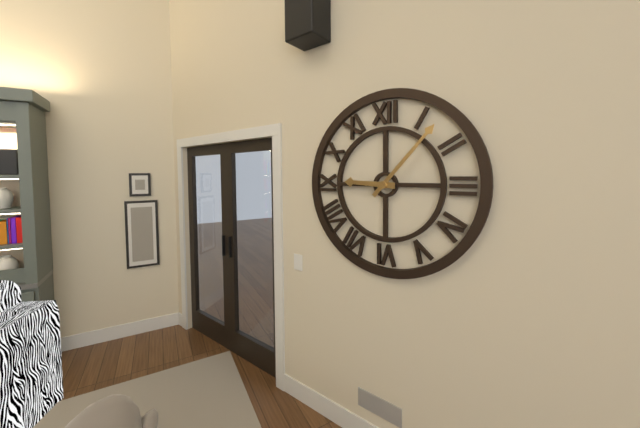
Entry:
h=9 m=7
